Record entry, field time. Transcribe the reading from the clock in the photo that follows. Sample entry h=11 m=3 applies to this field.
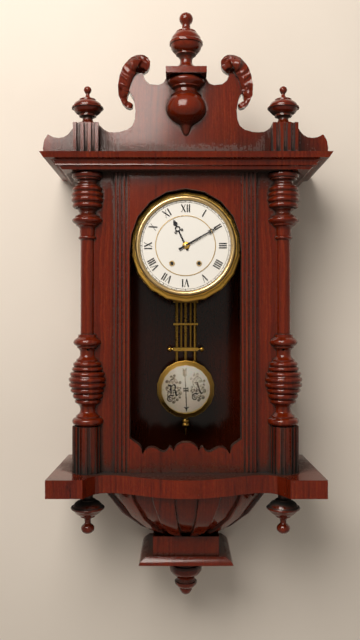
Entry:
h=11 m=10
